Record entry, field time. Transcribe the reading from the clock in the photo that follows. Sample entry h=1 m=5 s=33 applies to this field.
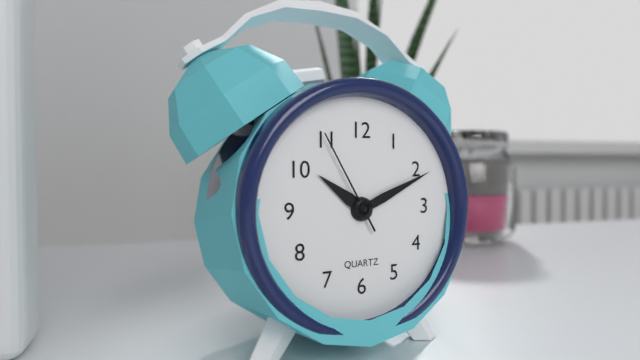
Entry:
h=10 m=11 s=55
